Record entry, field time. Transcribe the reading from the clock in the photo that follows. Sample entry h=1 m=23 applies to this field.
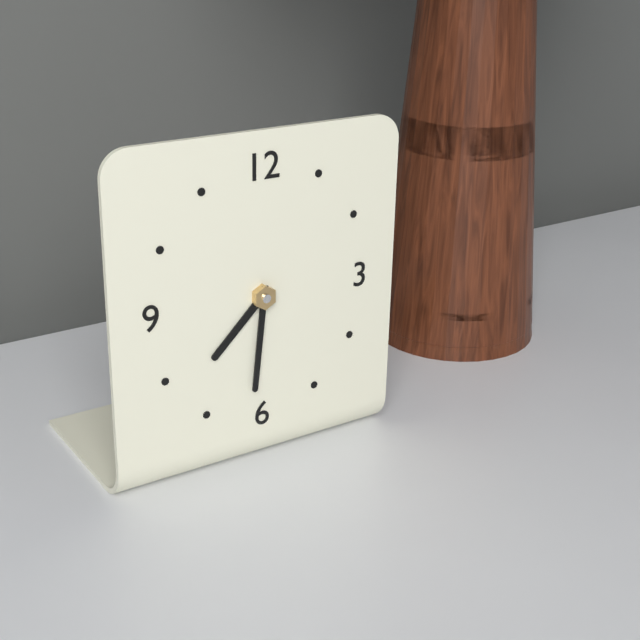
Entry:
h=7 m=31
